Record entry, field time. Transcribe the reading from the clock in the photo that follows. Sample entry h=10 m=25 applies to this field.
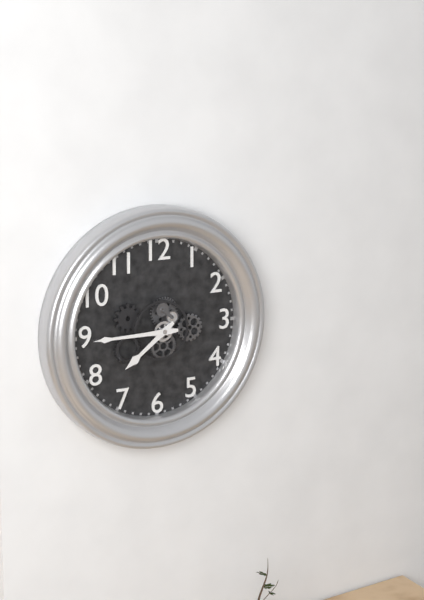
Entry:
h=7 m=45
